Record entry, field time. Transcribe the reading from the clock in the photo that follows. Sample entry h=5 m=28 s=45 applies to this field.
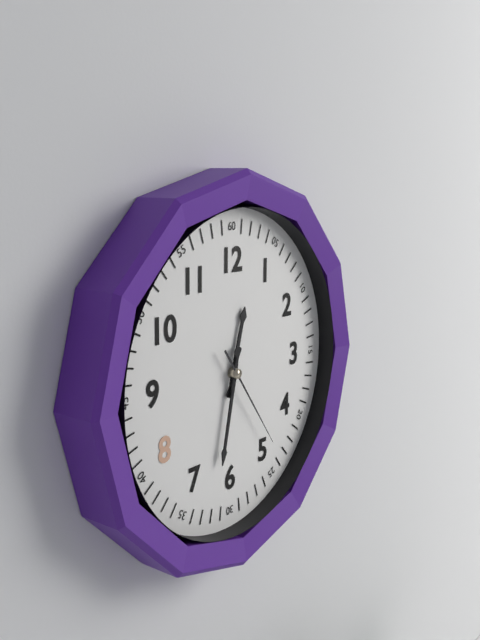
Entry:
h=12 m=32 s=24
